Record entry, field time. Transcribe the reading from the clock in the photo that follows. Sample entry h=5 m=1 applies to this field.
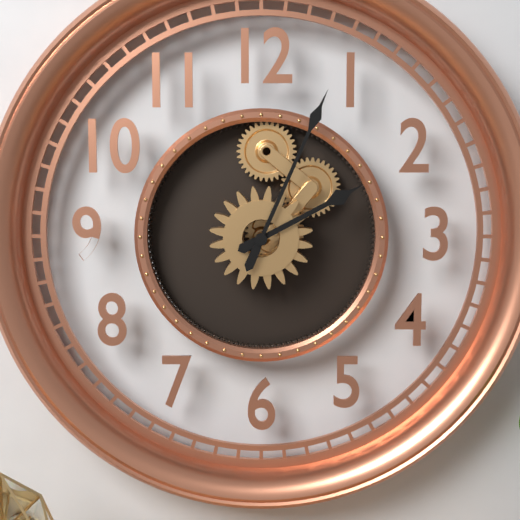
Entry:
h=2 m=4
